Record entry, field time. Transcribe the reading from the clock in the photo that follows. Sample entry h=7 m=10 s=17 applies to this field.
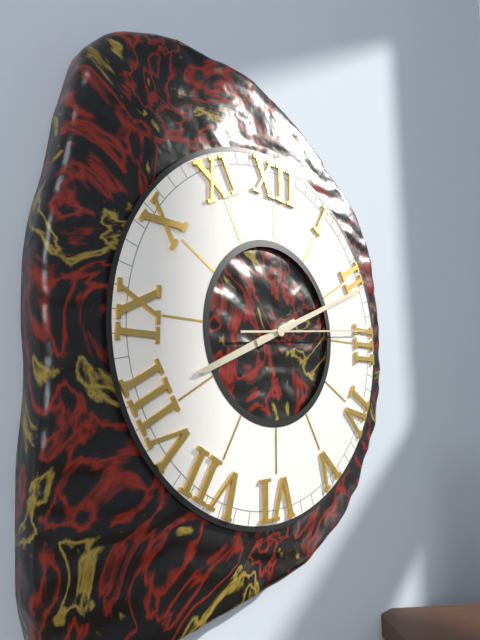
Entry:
h=8 m=11 s=14
